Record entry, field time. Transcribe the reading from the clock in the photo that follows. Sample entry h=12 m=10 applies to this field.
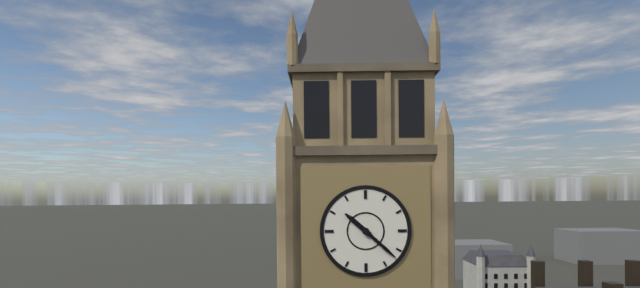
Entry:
h=10 m=22
